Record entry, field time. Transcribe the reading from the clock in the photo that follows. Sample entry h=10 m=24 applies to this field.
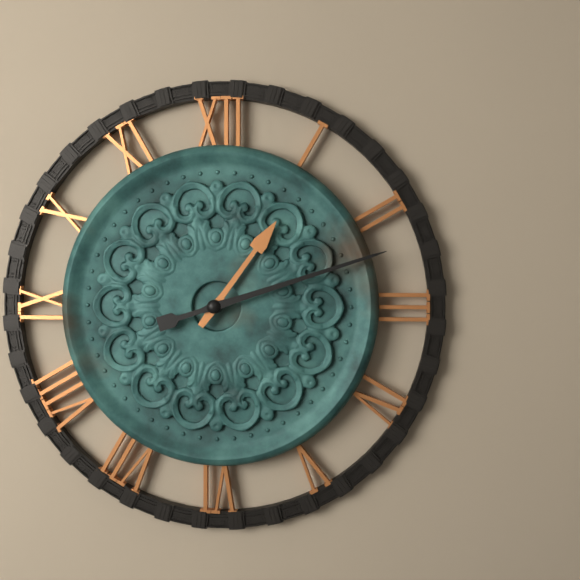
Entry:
h=1 m=12
